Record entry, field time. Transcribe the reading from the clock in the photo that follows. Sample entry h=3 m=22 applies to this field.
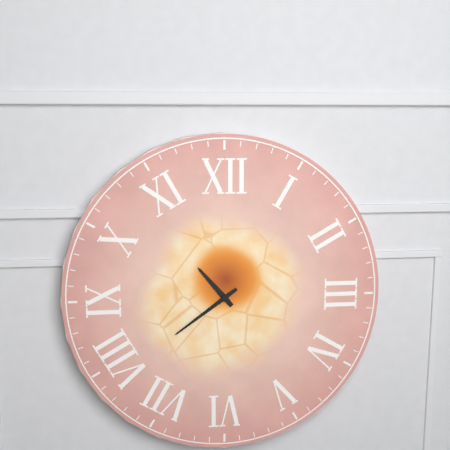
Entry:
h=10 m=39
